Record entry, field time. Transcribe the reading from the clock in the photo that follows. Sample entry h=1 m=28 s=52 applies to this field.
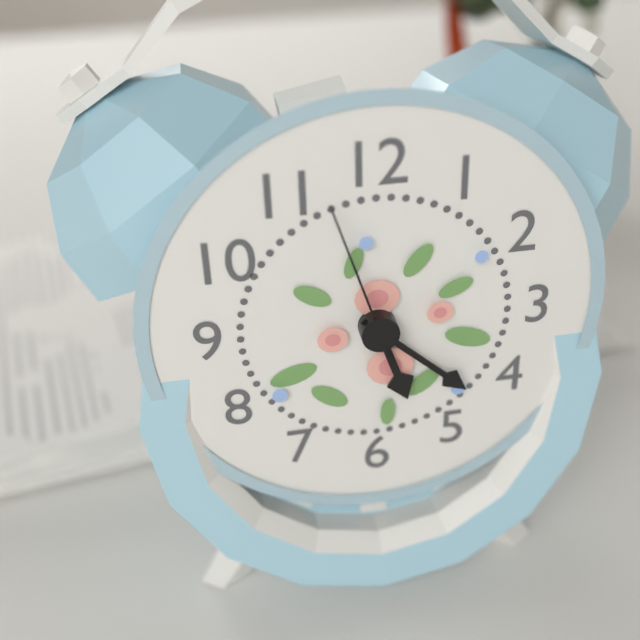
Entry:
h=5 m=22 s=57
